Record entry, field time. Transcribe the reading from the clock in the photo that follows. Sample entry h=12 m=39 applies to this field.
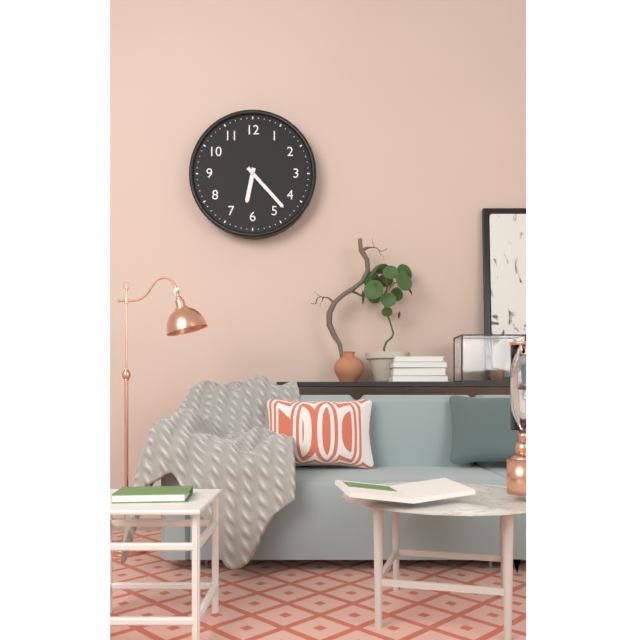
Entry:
h=6 m=23
